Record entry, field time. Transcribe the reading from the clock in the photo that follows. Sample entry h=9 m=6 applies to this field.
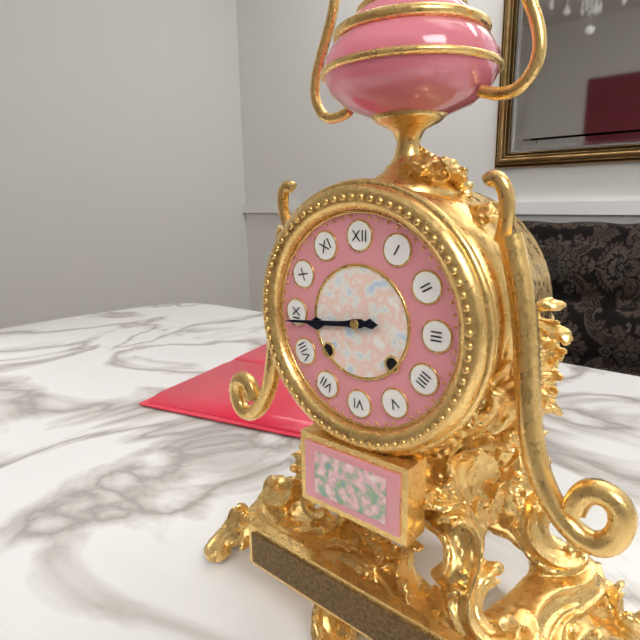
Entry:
h=8 m=44
